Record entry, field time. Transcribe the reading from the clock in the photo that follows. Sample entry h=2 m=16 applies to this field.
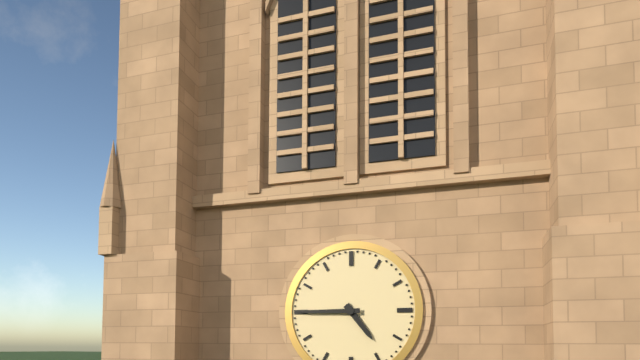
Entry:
h=4 m=45
